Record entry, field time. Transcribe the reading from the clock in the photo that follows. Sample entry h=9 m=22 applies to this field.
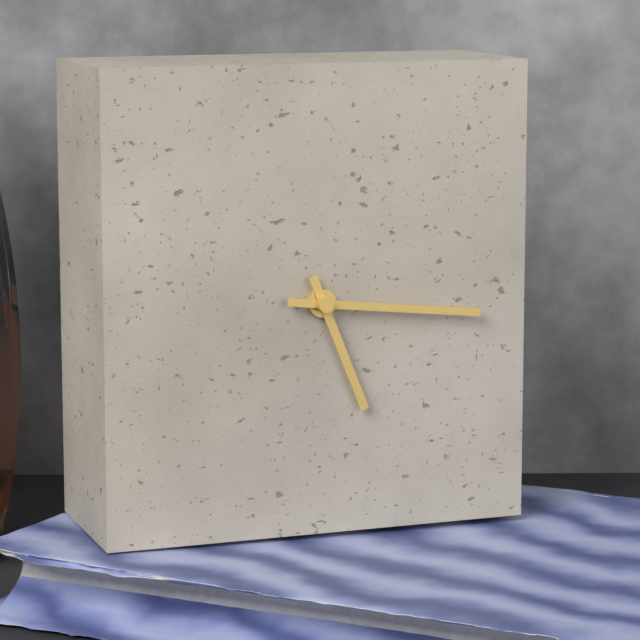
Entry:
h=5 m=16
